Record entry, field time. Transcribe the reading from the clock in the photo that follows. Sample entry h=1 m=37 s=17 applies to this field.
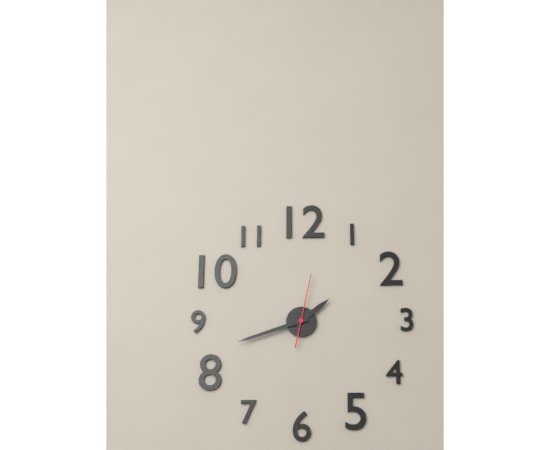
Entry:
h=1 m=42 s=2
